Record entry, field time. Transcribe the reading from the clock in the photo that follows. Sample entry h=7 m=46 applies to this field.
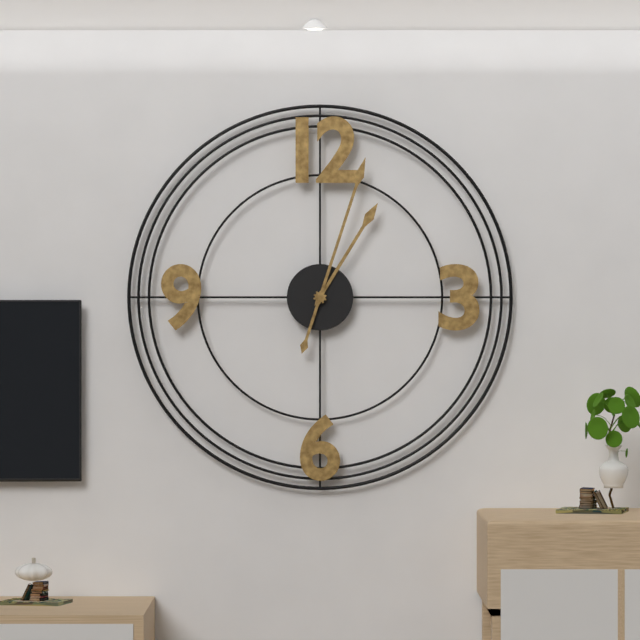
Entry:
h=1 m=3
